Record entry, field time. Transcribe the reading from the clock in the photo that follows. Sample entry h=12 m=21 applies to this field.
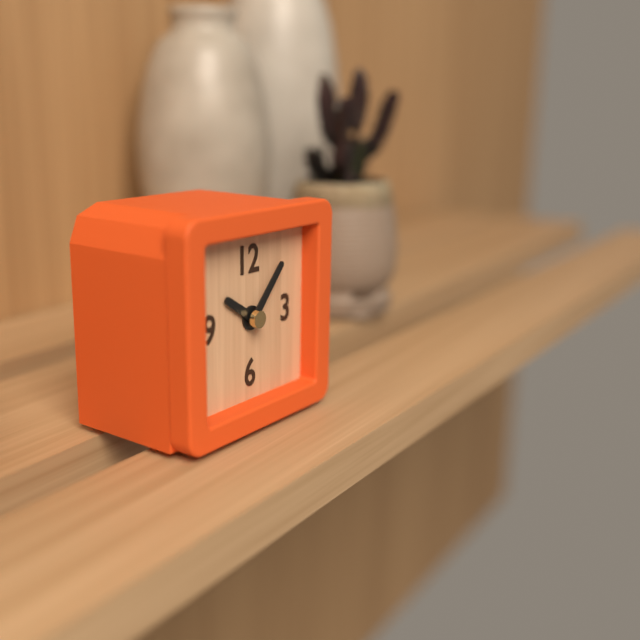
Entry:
h=10 m=7
